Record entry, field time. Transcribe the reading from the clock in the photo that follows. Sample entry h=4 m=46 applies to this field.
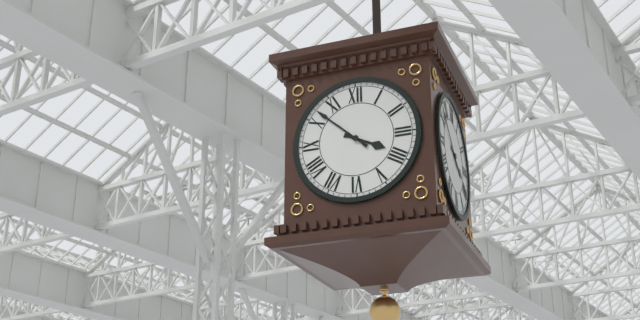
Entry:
h=3 m=52
